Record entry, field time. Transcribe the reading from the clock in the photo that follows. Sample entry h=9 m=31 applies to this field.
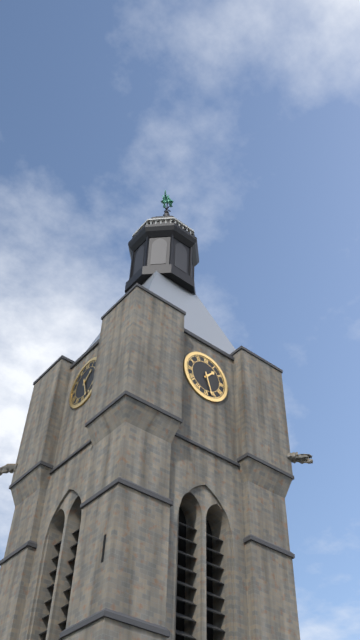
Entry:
h=1 m=27
